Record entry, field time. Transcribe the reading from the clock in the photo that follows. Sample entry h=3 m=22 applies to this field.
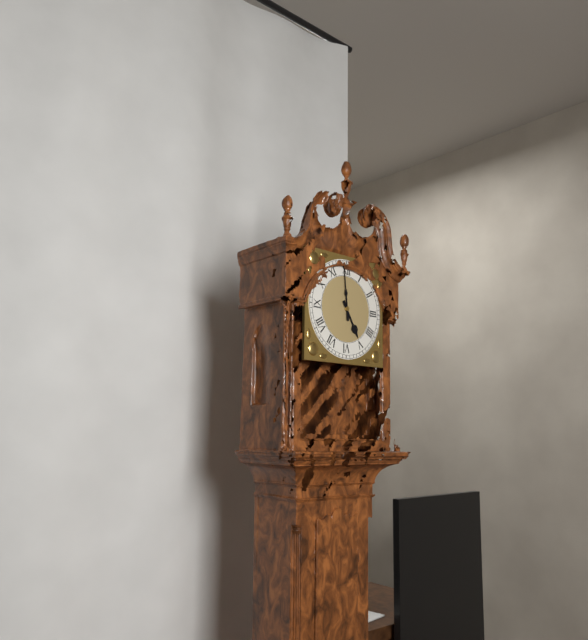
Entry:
h=4 m=59
